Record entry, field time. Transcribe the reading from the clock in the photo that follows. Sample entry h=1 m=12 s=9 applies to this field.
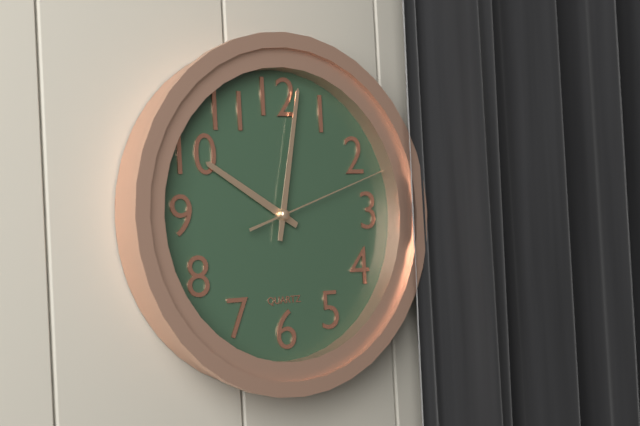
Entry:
h=10 m=2 s=12
